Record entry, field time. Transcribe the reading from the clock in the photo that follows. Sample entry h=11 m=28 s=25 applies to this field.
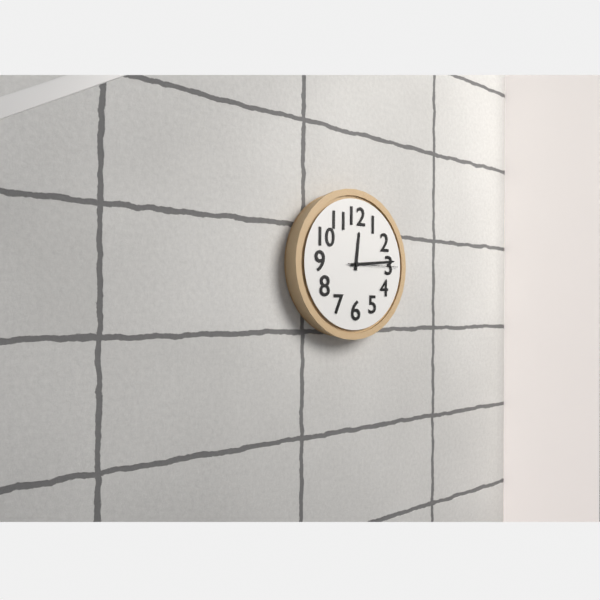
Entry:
h=12 m=14 s=15
